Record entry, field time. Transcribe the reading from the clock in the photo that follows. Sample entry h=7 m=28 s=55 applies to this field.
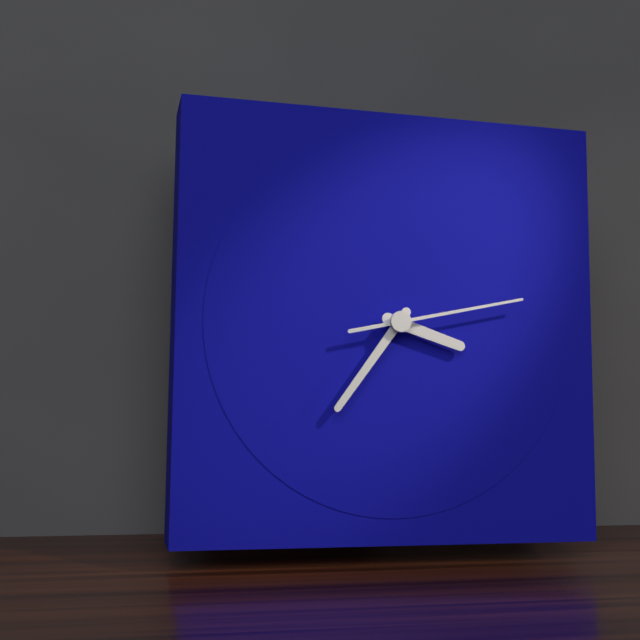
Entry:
h=3 m=36 s=13
